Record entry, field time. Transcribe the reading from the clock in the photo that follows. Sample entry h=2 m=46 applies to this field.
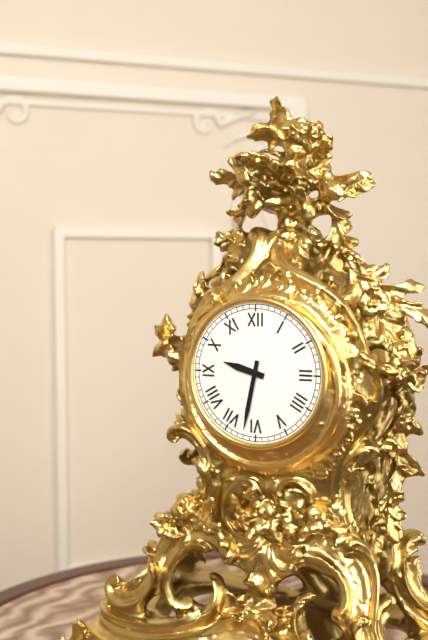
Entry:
h=9 m=32
